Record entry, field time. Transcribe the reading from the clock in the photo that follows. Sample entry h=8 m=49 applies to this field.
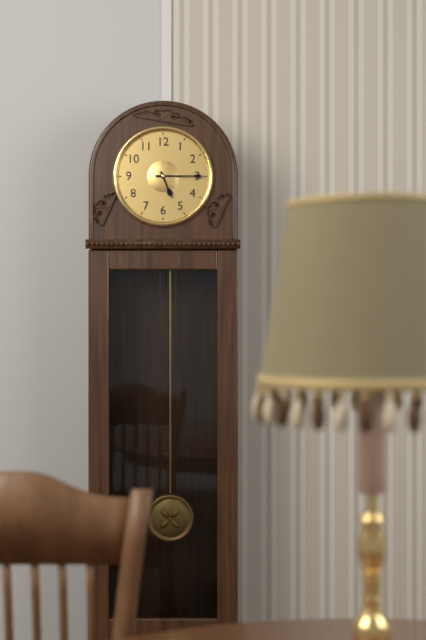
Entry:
h=5 m=15
